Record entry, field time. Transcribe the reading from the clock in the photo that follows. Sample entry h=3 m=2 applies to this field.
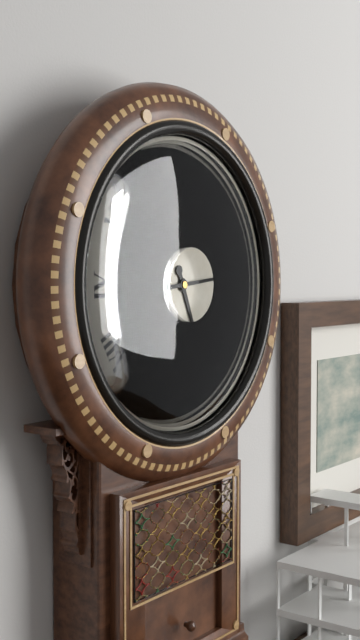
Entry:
h=5 m=14
